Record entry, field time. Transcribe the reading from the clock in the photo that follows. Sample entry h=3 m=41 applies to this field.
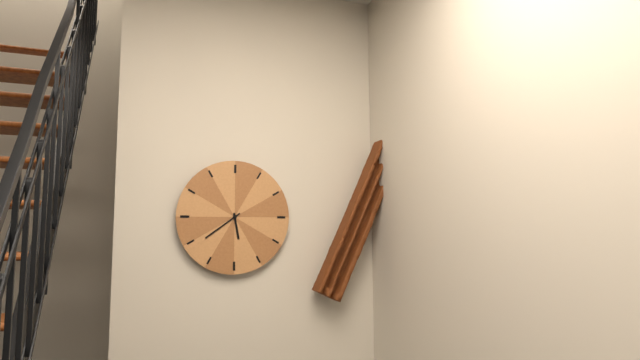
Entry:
h=5 m=39
